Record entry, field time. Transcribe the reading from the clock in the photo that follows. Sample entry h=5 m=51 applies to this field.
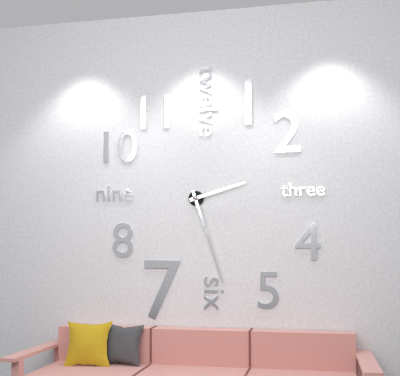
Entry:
h=2 m=27
